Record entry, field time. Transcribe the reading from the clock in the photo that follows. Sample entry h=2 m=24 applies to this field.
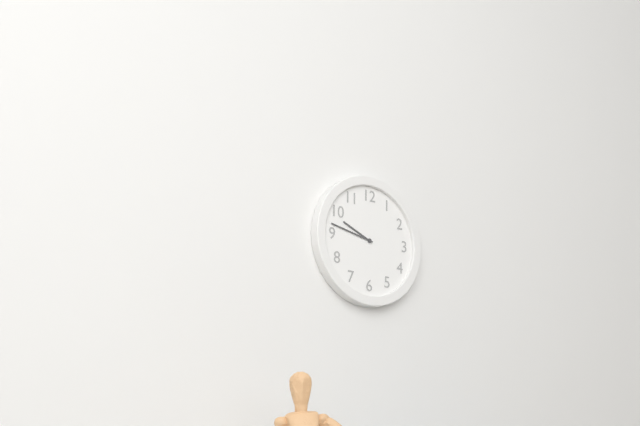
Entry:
h=9 m=47
